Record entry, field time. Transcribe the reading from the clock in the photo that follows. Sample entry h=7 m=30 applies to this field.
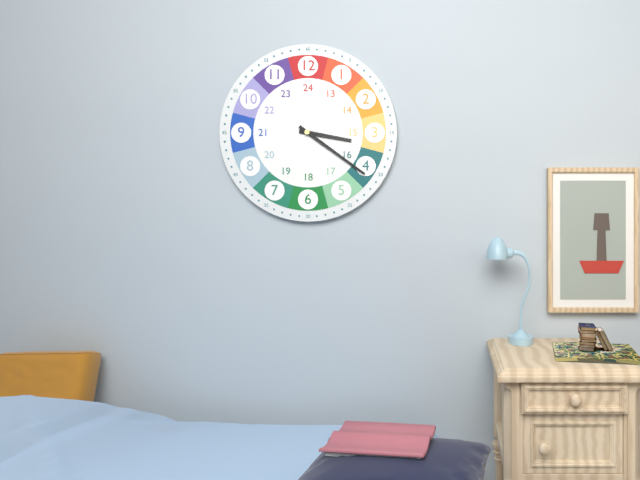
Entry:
h=3 m=21
